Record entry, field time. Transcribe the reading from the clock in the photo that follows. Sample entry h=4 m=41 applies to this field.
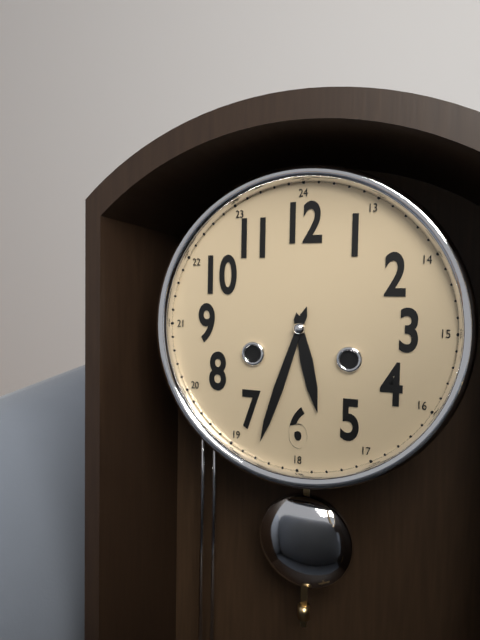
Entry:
h=5 m=33
